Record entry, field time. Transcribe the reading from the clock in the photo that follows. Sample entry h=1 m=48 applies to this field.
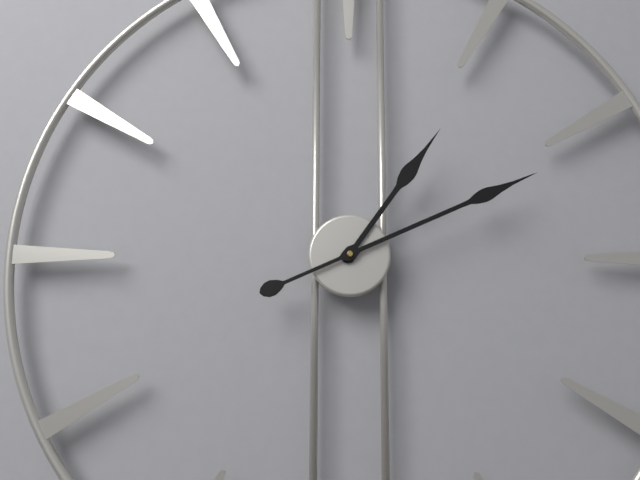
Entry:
h=1 m=11
